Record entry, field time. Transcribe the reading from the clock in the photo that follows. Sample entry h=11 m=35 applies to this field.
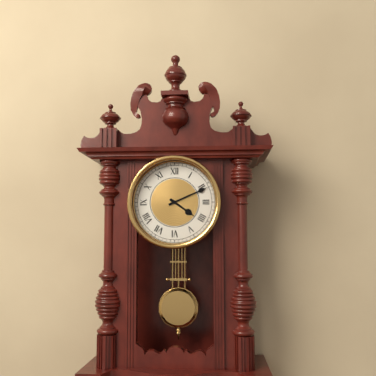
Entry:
h=4 m=11
